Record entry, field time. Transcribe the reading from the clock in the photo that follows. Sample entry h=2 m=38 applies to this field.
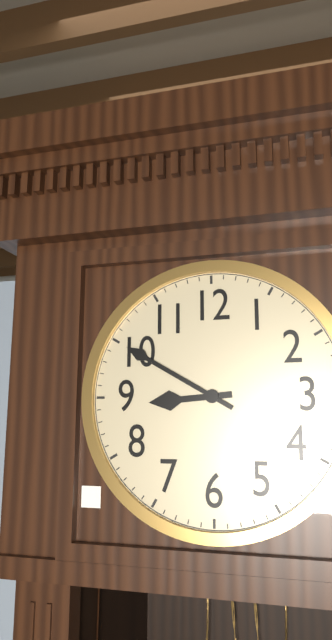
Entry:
h=8 m=50
